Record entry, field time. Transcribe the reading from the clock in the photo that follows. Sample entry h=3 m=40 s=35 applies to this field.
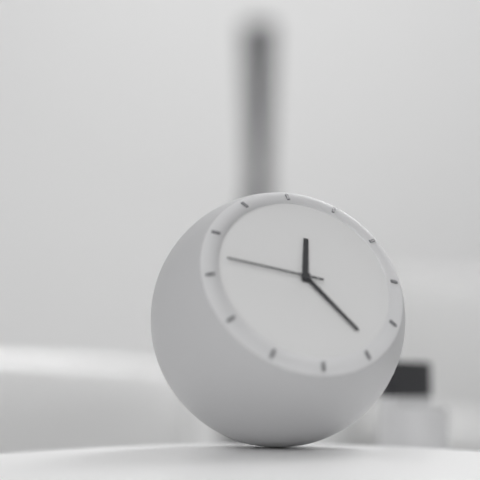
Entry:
h=12 m=24 s=47
